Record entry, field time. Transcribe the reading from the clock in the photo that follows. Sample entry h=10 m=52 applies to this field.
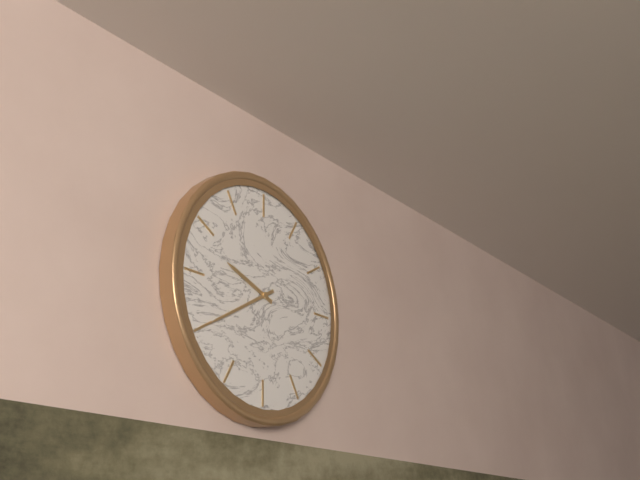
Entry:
h=9 m=40
